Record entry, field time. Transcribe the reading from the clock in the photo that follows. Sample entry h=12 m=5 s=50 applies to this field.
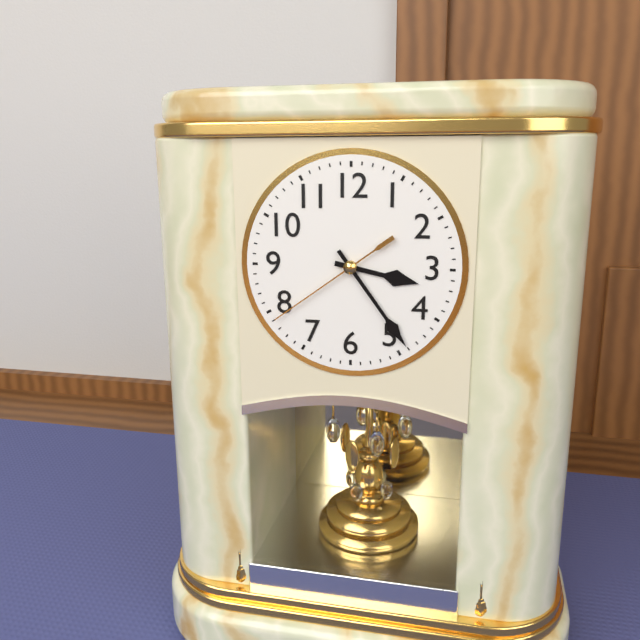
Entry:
h=3 m=24 s=39
